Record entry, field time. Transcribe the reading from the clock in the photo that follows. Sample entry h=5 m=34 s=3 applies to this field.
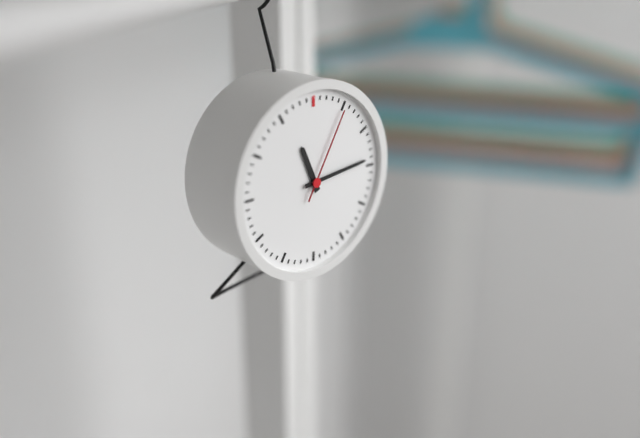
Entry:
h=11 m=14 s=5
